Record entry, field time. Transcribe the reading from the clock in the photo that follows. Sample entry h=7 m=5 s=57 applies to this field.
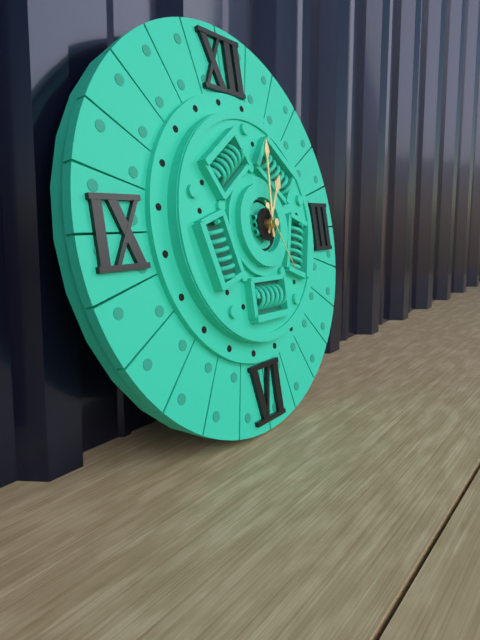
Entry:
h=1 m=1 s=25
